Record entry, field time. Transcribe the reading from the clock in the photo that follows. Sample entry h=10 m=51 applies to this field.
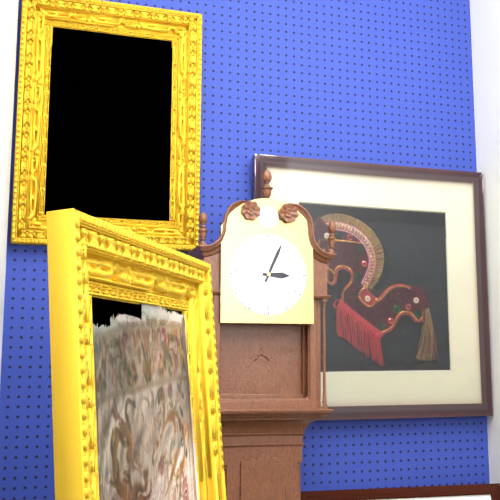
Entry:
h=3 m=4
